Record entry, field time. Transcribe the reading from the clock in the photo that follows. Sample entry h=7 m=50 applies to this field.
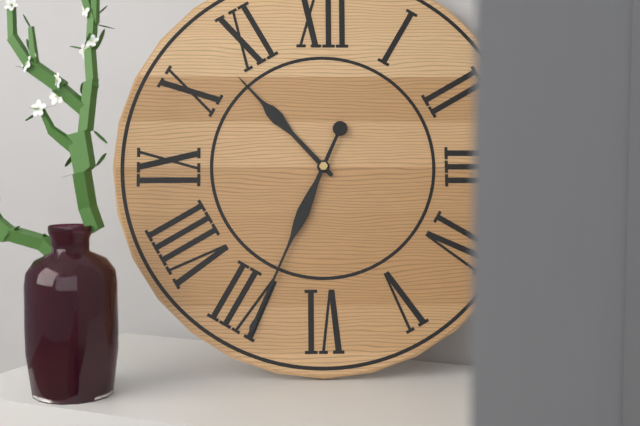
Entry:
h=10 m=34
